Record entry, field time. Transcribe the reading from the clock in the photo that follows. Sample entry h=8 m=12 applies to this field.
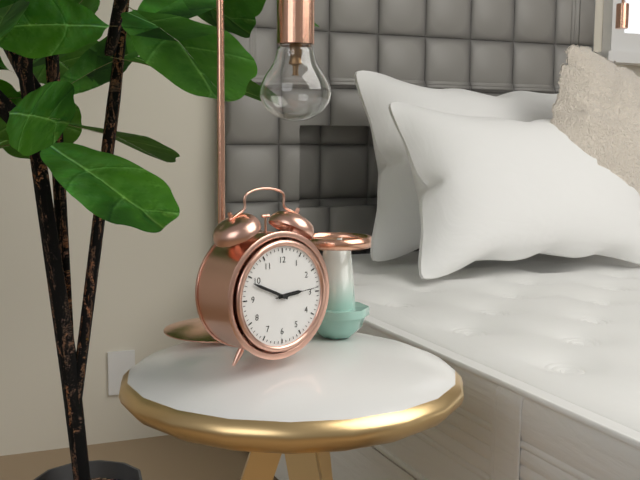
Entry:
h=2 m=49
